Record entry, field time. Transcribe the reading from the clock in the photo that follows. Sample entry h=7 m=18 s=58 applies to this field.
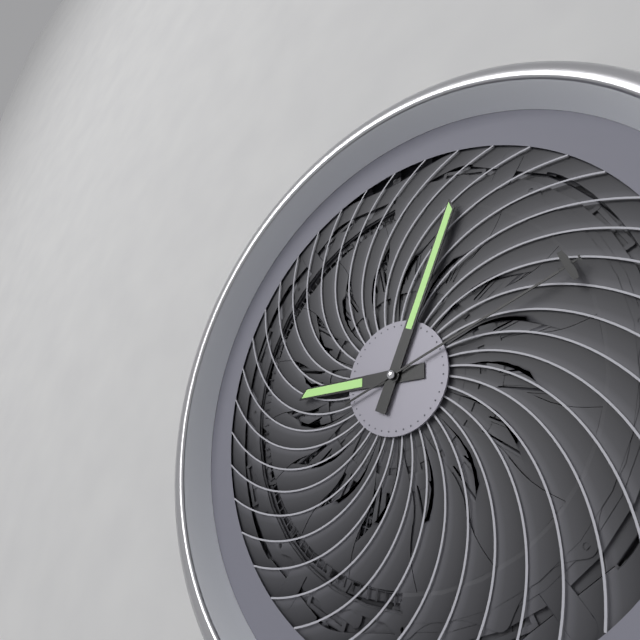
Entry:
h=9 m=4 s=12
